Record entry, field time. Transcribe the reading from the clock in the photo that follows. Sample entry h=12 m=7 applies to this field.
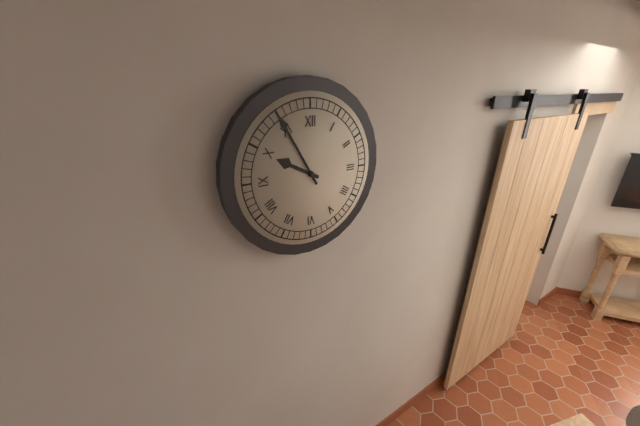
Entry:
h=9 m=55
